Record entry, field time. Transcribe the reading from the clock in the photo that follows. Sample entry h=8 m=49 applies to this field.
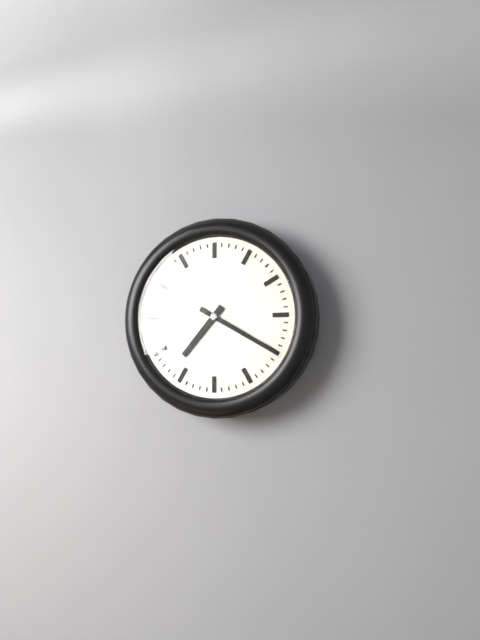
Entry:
h=7 m=20
